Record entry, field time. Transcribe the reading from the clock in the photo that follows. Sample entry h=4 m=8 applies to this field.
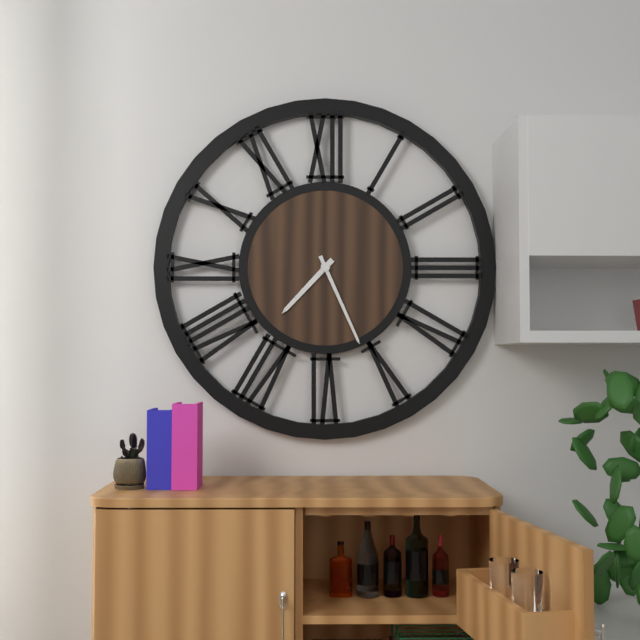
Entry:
h=7 m=26
